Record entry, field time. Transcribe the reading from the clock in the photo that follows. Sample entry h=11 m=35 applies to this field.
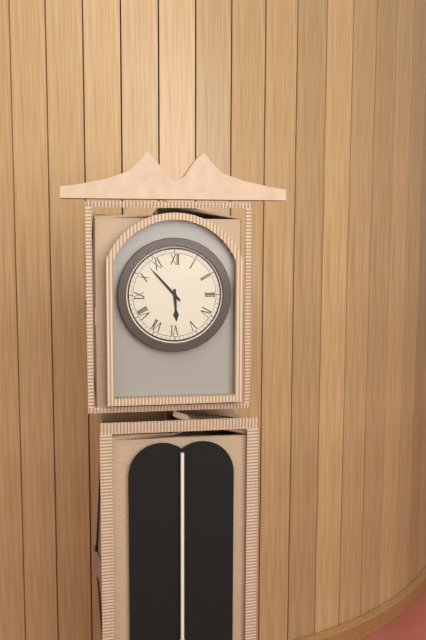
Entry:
h=5 m=53
